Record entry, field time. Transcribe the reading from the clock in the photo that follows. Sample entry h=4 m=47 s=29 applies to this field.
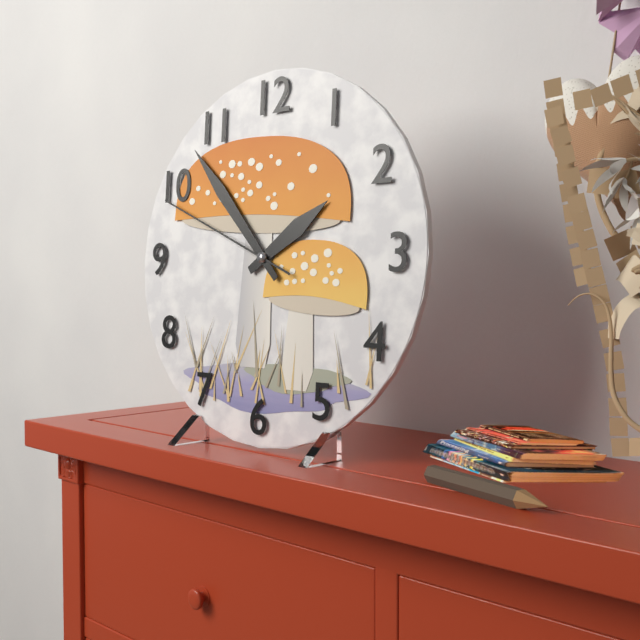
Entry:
h=1 m=53 s=49
